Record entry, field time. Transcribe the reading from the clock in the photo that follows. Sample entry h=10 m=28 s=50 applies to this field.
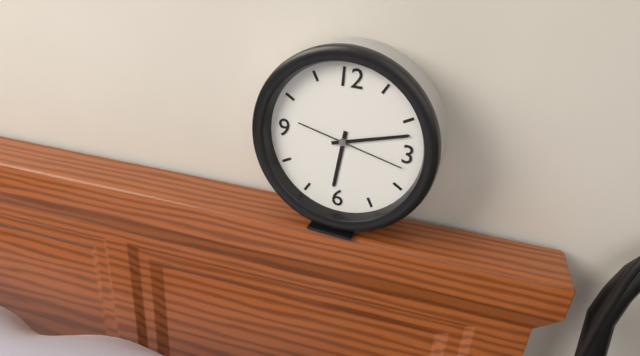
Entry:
h=6 m=12 s=17
